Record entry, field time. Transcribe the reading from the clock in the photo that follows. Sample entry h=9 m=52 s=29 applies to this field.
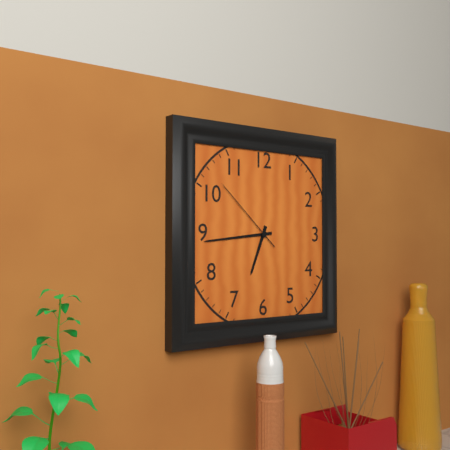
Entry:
h=6 m=44 s=52
